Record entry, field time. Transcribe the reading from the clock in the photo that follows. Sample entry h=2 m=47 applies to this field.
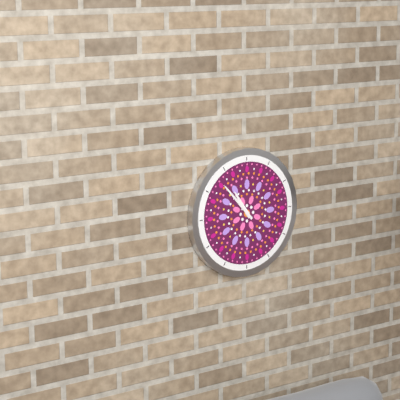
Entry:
h=10 m=53
